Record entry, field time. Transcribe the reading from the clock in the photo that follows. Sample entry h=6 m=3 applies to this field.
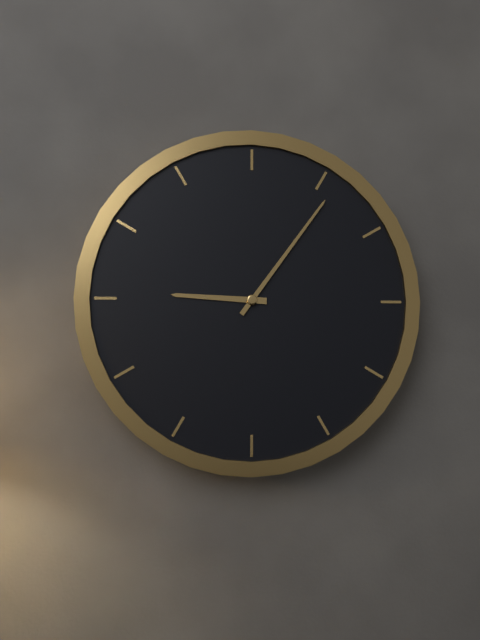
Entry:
h=9 m=6
